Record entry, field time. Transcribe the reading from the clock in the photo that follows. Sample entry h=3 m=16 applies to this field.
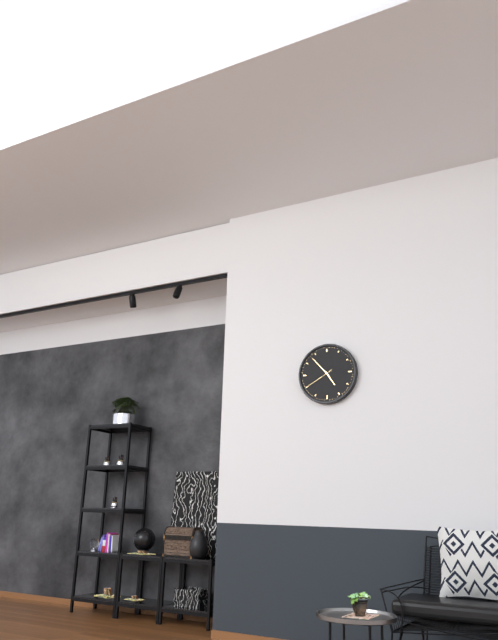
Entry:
h=4 m=53
